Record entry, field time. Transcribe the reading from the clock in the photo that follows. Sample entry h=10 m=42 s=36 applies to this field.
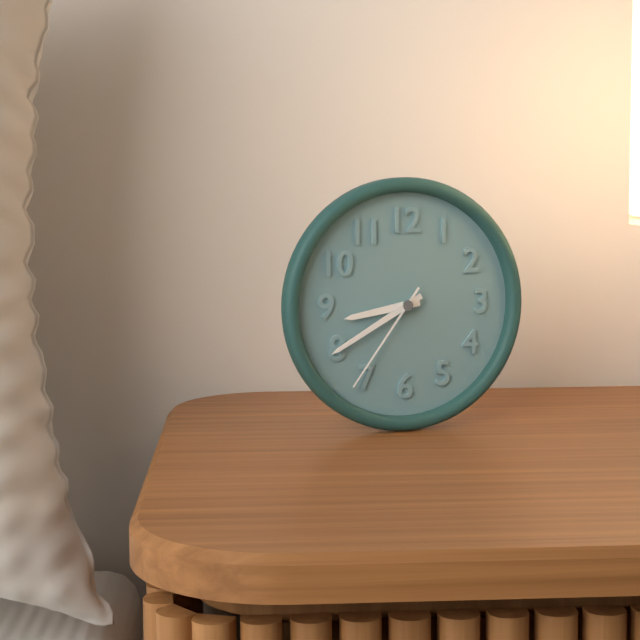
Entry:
h=8 m=40 s=36
